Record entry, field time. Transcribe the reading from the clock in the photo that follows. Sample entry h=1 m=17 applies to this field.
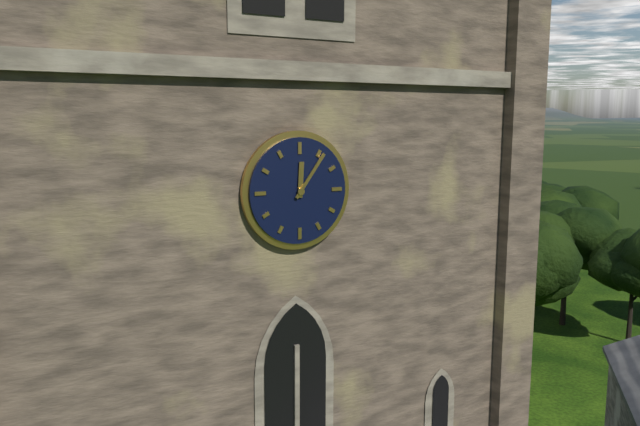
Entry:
h=12 m=6
